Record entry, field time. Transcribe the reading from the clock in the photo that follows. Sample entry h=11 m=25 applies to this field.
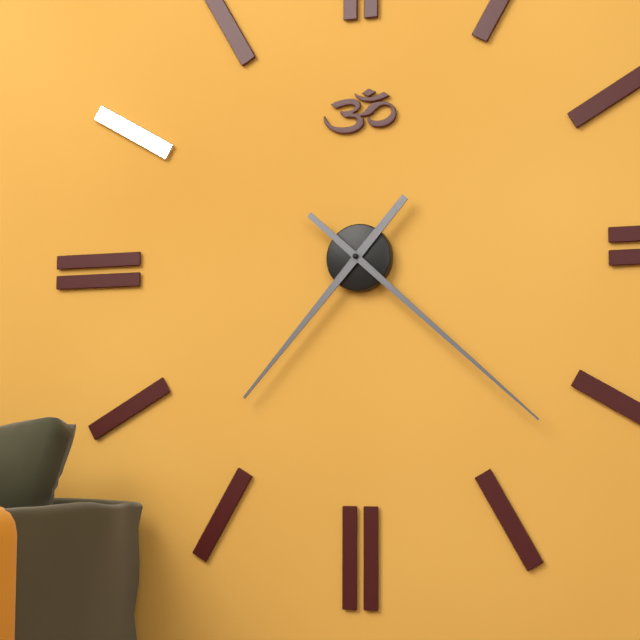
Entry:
h=7 m=22
